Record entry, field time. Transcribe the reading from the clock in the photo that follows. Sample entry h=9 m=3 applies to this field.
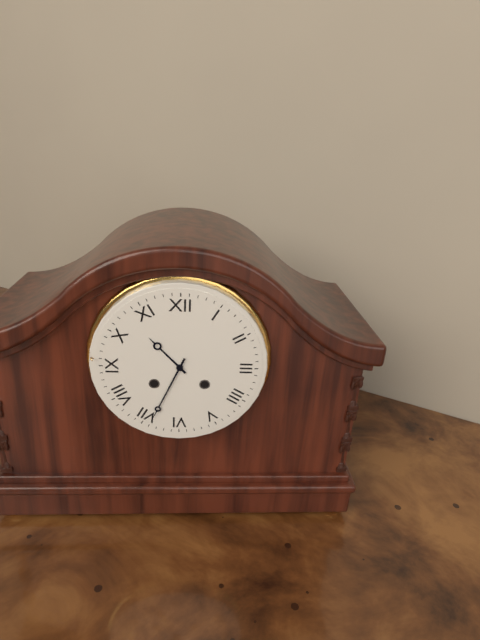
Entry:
h=10 m=34
